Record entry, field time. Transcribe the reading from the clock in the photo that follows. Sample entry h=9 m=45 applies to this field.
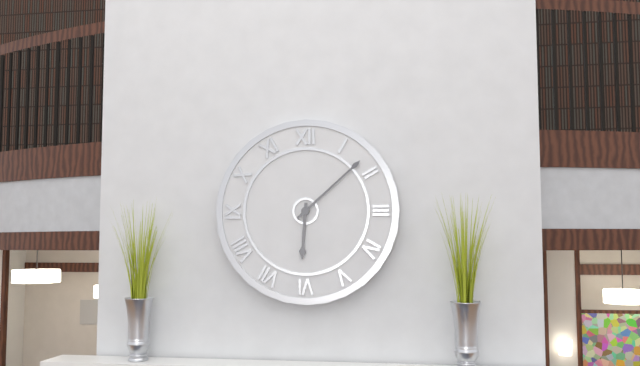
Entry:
h=6 m=8
